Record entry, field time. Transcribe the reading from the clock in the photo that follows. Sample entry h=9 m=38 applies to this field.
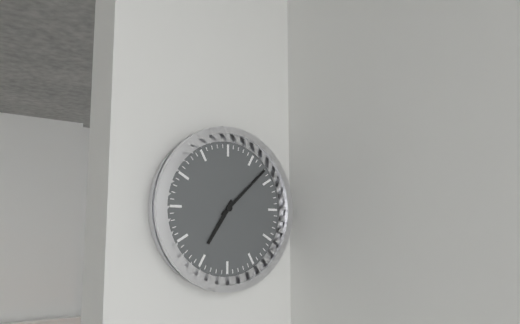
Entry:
h=7 m=8
